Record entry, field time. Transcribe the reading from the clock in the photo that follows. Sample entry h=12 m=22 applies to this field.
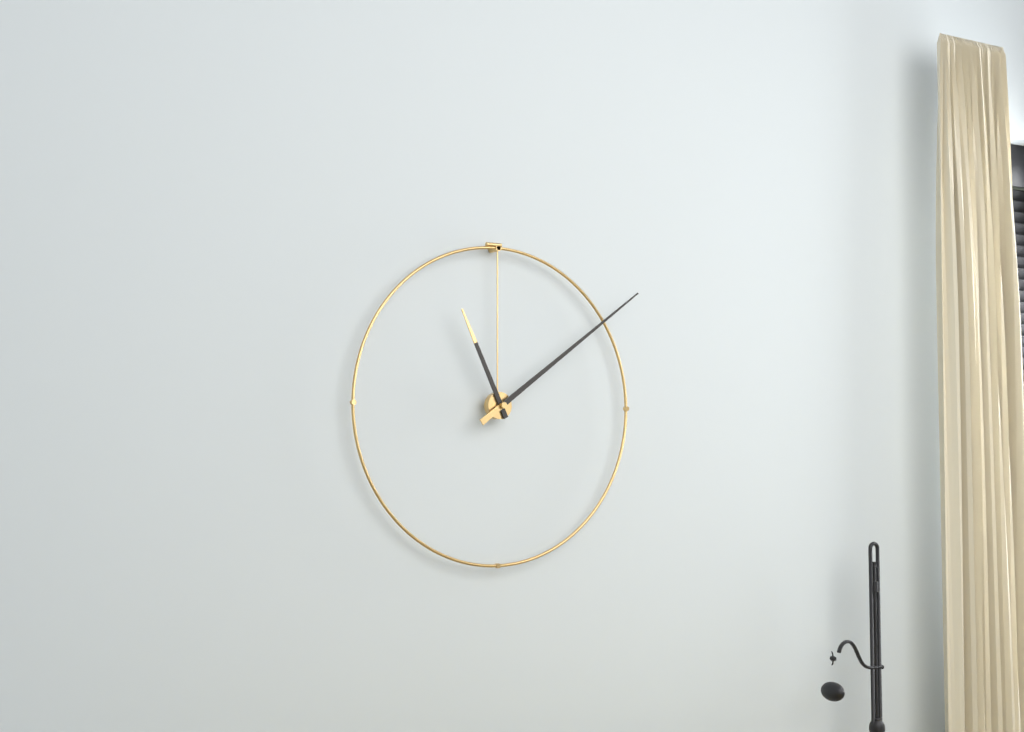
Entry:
h=11 m=9
